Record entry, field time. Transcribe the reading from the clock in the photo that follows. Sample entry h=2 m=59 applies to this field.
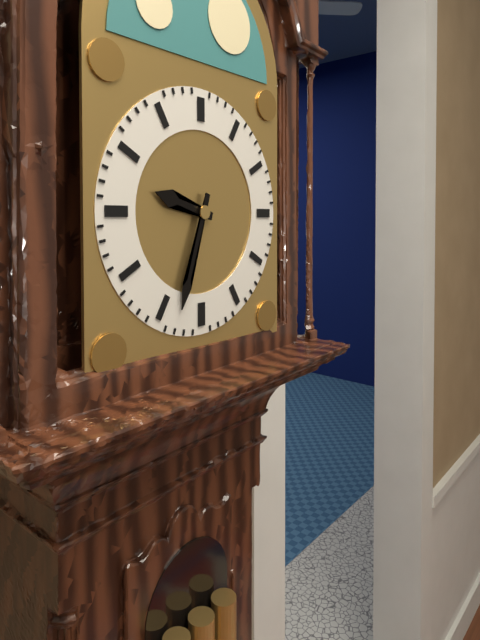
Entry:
h=9 m=33
